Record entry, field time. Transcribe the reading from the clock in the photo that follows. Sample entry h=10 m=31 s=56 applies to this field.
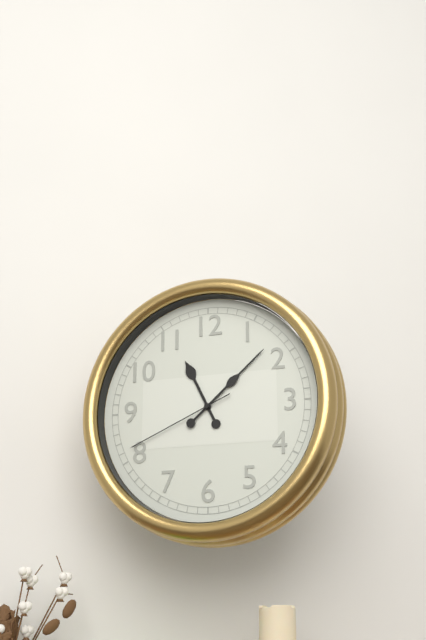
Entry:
h=11 m=8 s=41
